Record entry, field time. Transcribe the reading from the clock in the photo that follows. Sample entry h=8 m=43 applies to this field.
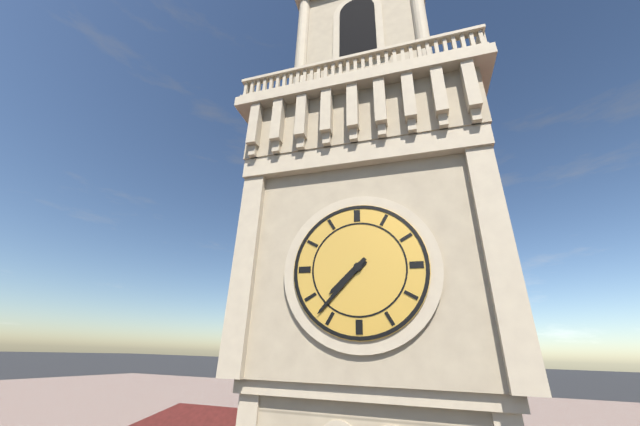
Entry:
h=7 m=37
